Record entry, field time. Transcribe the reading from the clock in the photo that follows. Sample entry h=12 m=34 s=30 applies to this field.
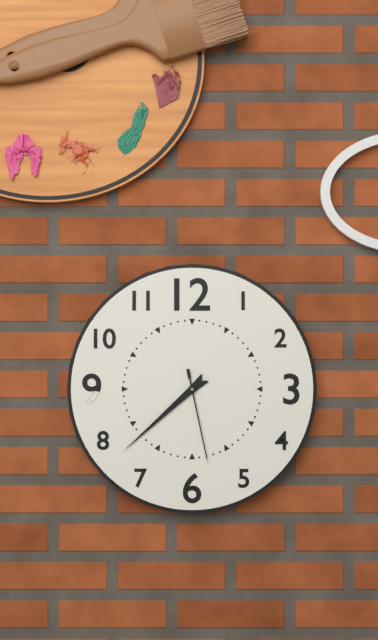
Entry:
h=7 m=38 s=28
